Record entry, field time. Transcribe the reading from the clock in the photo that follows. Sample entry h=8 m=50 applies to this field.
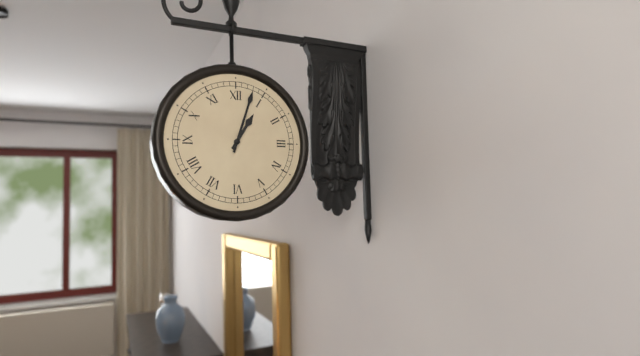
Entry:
h=1 m=3
